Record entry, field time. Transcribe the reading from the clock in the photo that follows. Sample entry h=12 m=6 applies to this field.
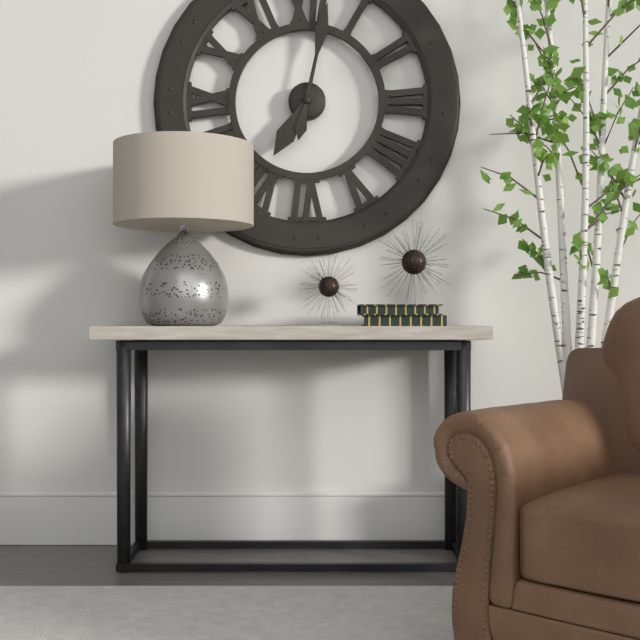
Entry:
h=7 m=2
